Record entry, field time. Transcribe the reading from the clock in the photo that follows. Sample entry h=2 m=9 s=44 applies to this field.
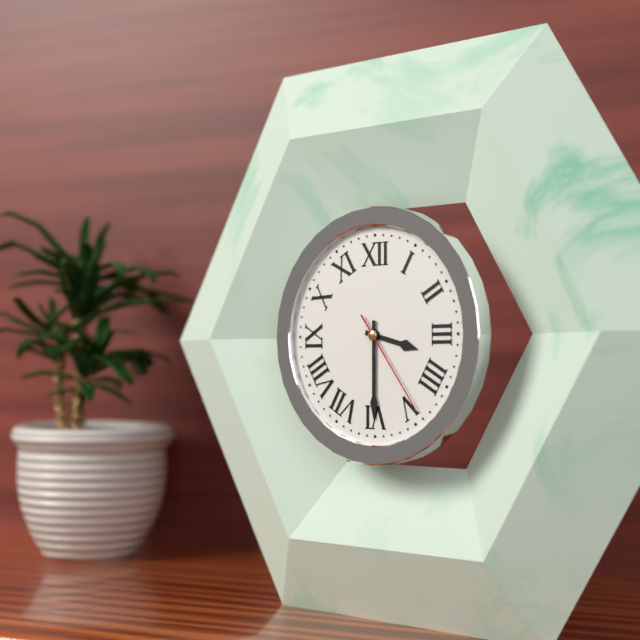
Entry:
h=3 m=30 s=24
